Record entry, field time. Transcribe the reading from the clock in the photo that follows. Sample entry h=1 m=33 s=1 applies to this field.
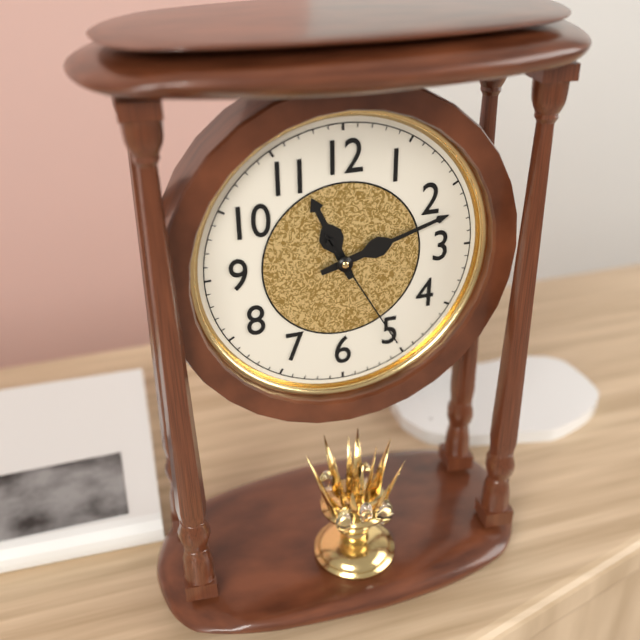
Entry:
h=11 m=12 s=25
